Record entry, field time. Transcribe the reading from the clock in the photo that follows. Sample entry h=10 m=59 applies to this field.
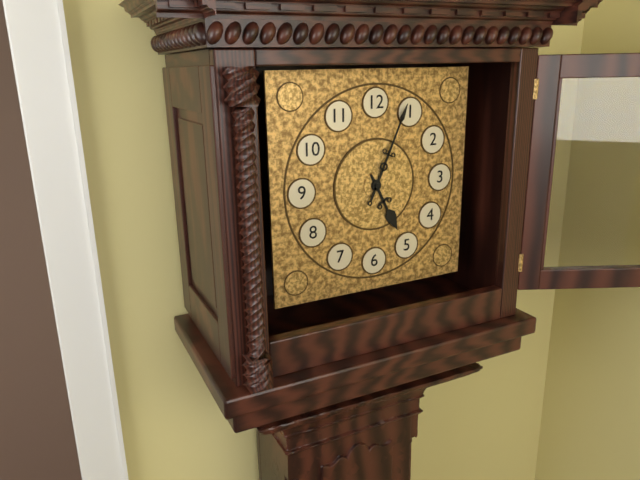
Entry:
h=5 m=4
